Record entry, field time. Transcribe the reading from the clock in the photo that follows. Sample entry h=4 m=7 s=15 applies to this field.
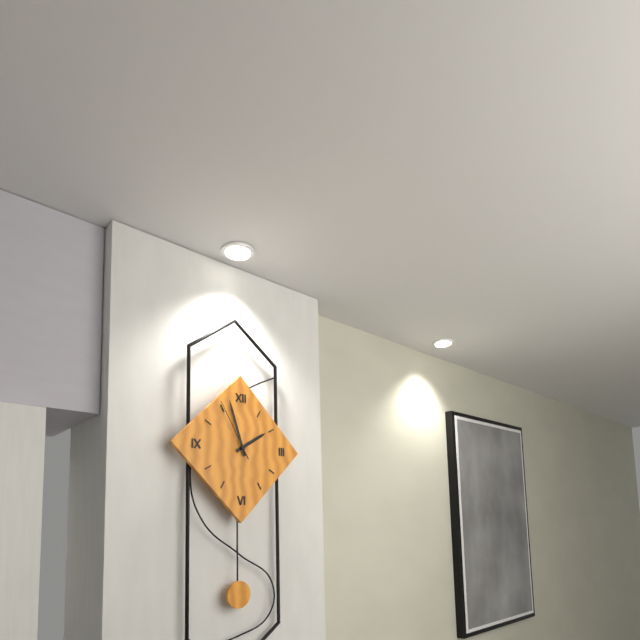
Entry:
h=1 m=57 s=55
